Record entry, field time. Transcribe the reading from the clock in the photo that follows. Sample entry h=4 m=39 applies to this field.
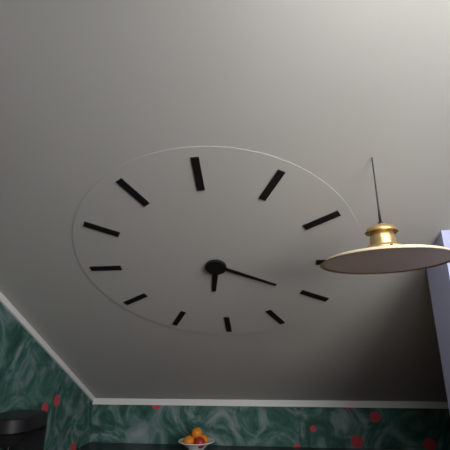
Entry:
h=6 m=20
